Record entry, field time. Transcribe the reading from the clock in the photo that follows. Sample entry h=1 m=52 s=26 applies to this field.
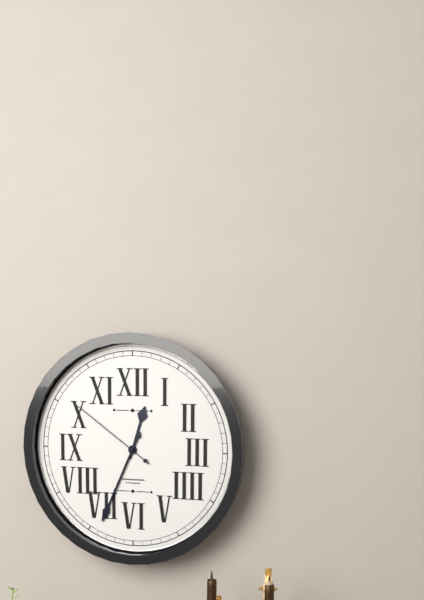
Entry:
h=12 m=34 s=51
